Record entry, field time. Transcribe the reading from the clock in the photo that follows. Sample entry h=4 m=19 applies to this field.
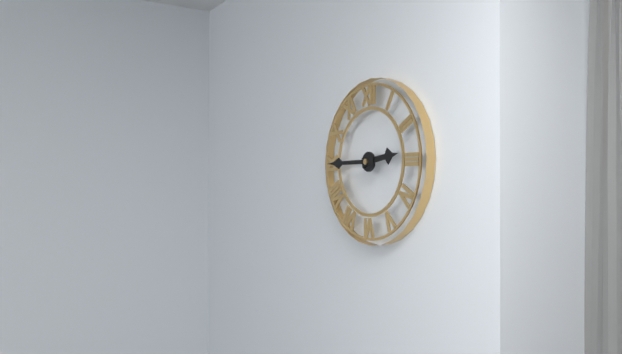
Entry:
h=2 m=45
